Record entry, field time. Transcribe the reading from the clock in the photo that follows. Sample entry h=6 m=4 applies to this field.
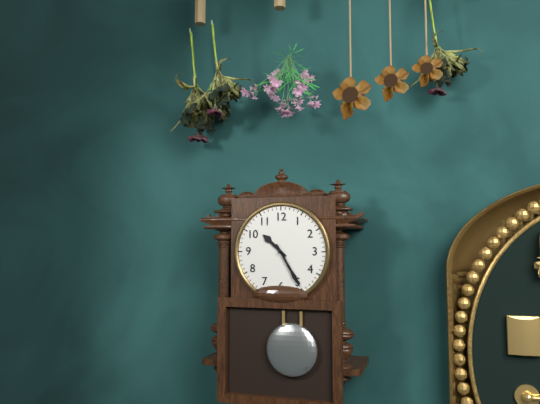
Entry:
h=10 m=25
